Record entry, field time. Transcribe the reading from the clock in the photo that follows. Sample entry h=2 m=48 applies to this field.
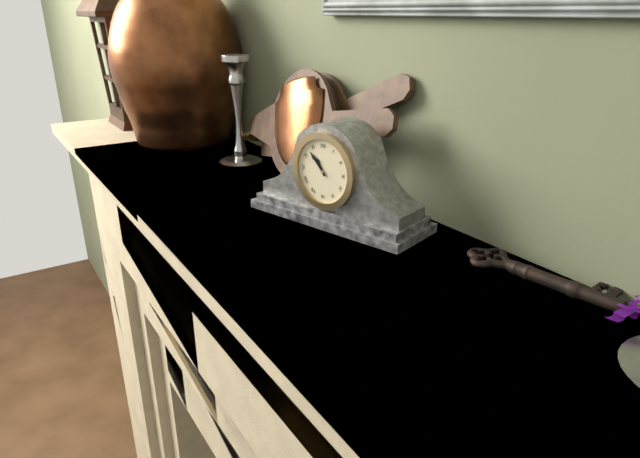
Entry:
h=10 m=53
